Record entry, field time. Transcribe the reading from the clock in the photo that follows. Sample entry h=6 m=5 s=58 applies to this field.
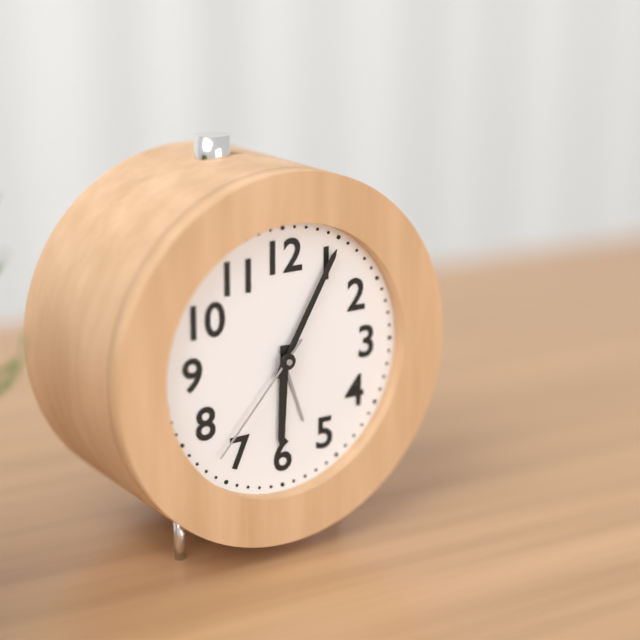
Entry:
h=6 m=5 s=37
